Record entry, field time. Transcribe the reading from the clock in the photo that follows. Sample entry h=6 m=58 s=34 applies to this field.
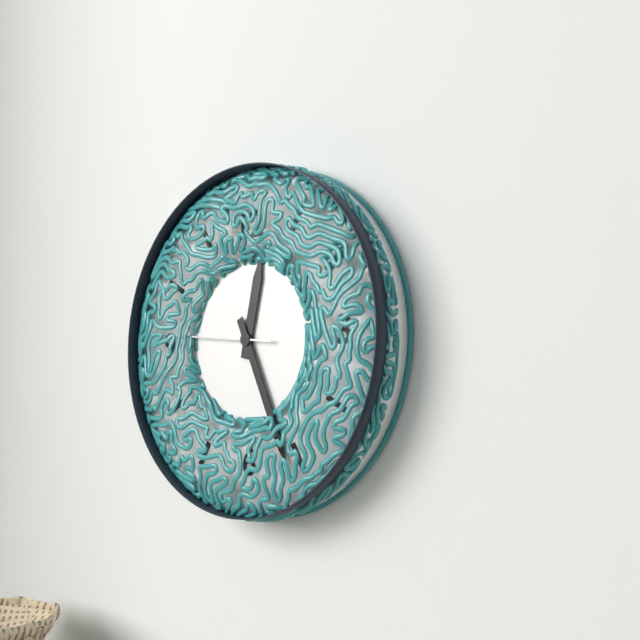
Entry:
h=12 m=26 s=46
